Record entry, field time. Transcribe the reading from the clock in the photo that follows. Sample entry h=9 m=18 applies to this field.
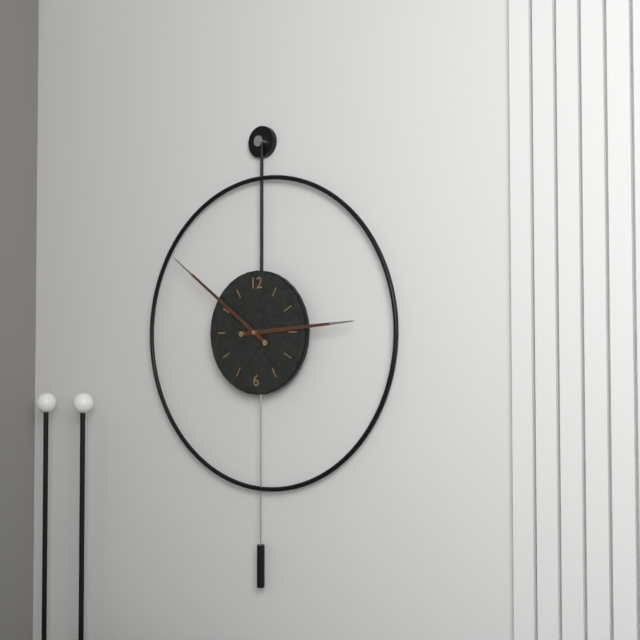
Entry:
h=2 m=51
